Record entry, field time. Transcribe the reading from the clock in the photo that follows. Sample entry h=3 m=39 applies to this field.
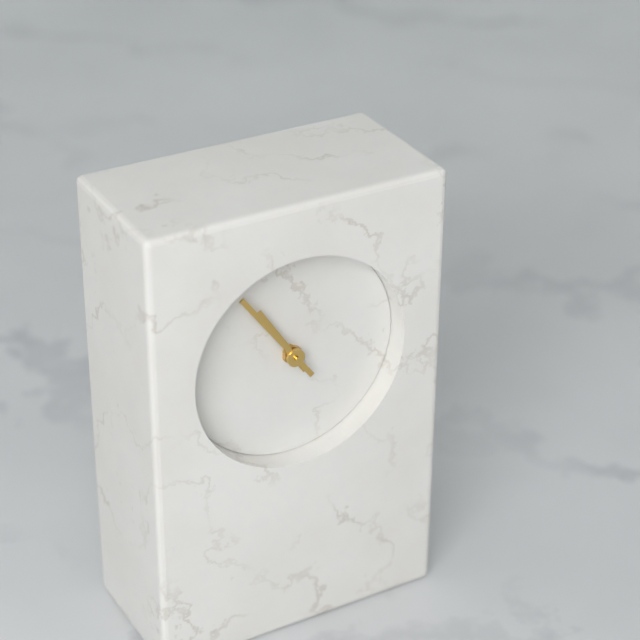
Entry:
h=10 m=54
